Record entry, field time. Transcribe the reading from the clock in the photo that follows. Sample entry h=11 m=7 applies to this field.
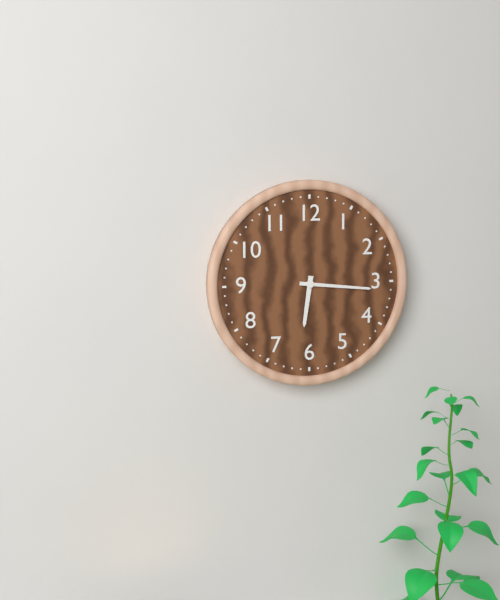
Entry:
h=6 m=16
